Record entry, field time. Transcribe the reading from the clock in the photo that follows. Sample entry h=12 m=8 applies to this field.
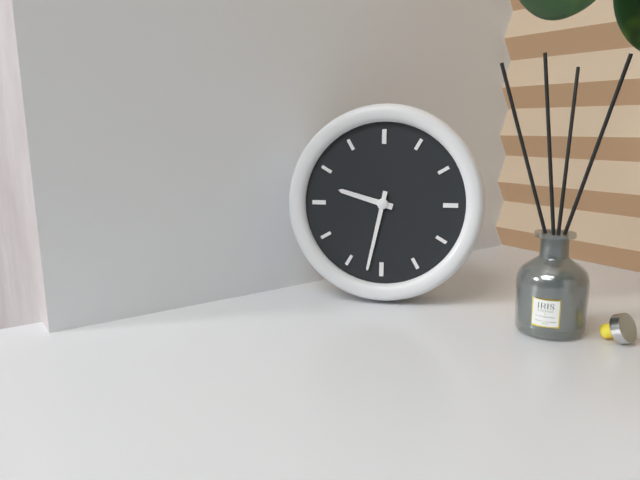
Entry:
h=9 m=32
